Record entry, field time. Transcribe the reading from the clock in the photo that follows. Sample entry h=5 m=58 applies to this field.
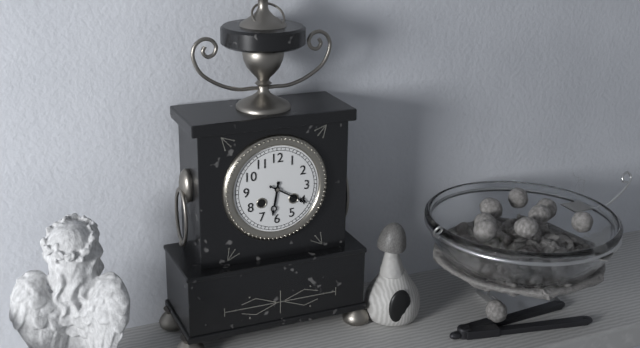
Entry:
h=6 m=20
